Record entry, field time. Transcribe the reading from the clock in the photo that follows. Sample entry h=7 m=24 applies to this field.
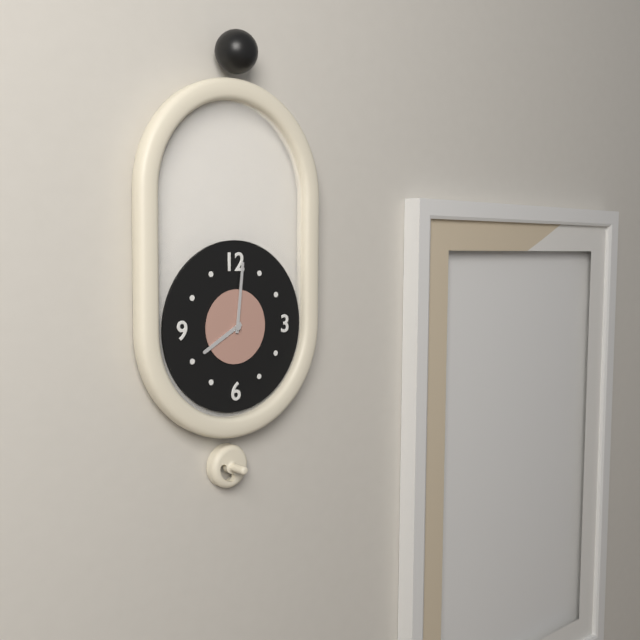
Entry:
h=8 m=1
